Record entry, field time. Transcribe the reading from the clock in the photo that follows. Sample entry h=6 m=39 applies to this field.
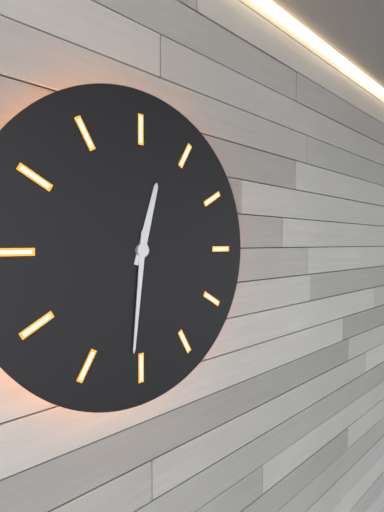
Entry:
h=12 m=31
